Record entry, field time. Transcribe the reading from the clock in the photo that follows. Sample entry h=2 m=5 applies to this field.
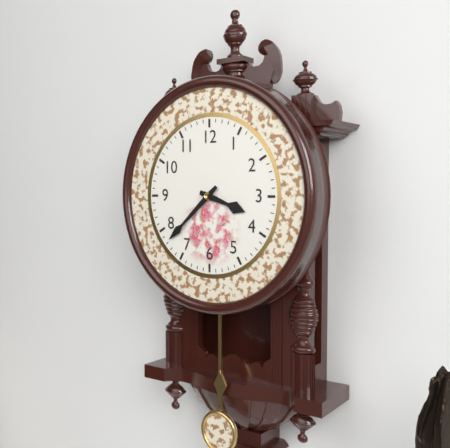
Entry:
h=3 m=38
